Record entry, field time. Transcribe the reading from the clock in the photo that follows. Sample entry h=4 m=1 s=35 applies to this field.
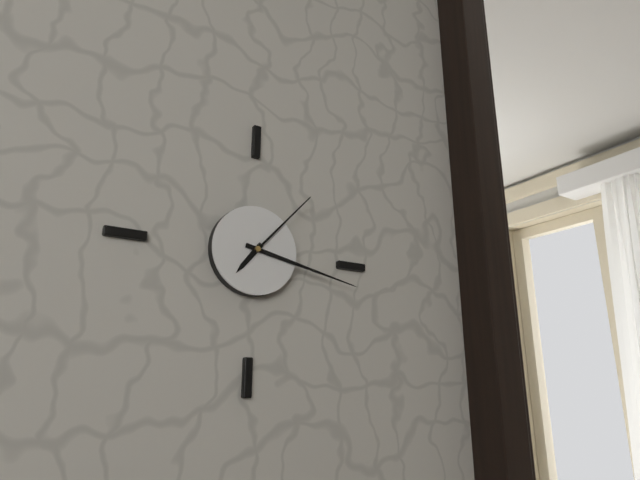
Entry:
h=7 m=17 s=7
